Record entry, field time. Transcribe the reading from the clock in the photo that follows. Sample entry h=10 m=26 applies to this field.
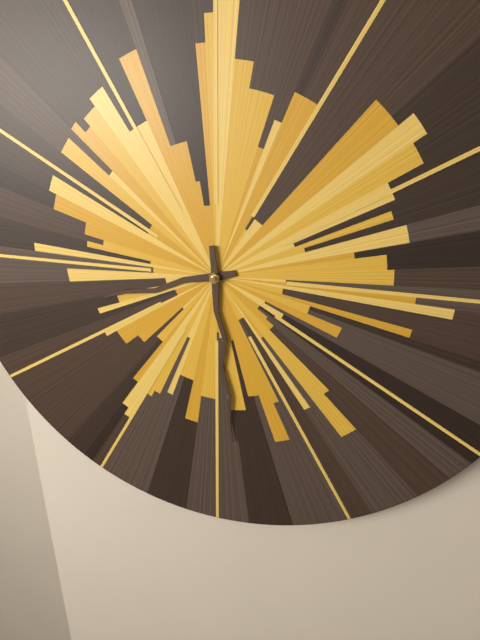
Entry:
h=8 m=29
